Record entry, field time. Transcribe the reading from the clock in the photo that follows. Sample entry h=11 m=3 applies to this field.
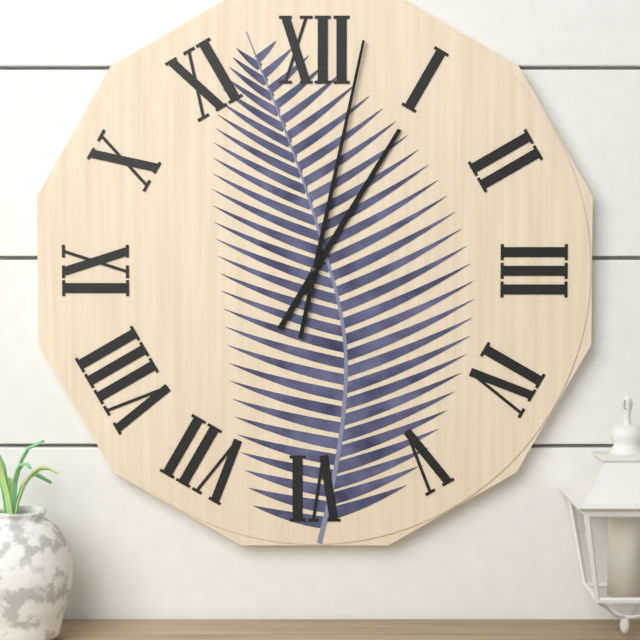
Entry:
h=1 m=2
